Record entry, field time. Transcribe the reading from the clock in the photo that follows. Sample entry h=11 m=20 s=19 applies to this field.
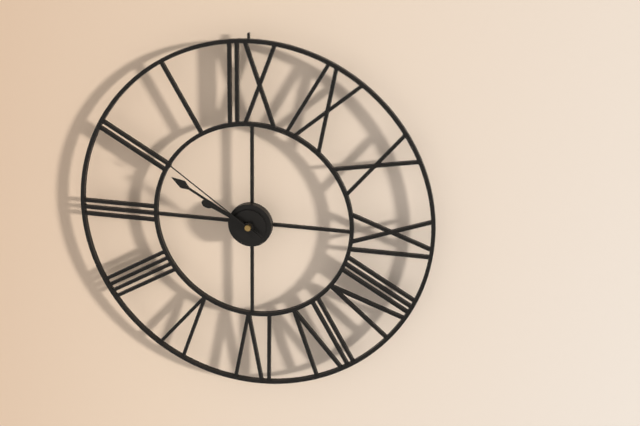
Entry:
h=9 m=50 s=51
